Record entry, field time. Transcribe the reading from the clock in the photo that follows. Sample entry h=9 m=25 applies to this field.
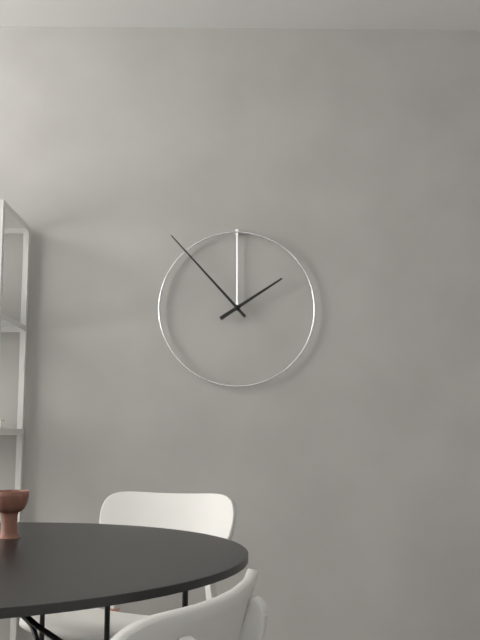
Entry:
h=1 m=53
